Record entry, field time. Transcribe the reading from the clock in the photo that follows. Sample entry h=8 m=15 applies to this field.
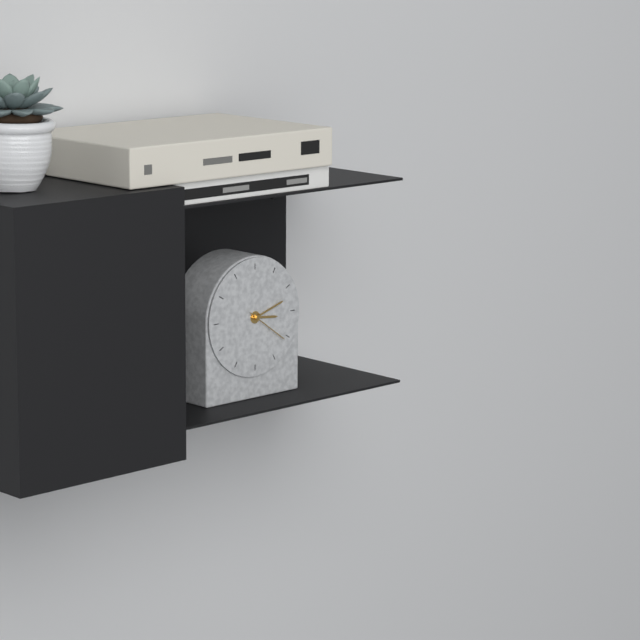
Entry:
h=3 m=12
